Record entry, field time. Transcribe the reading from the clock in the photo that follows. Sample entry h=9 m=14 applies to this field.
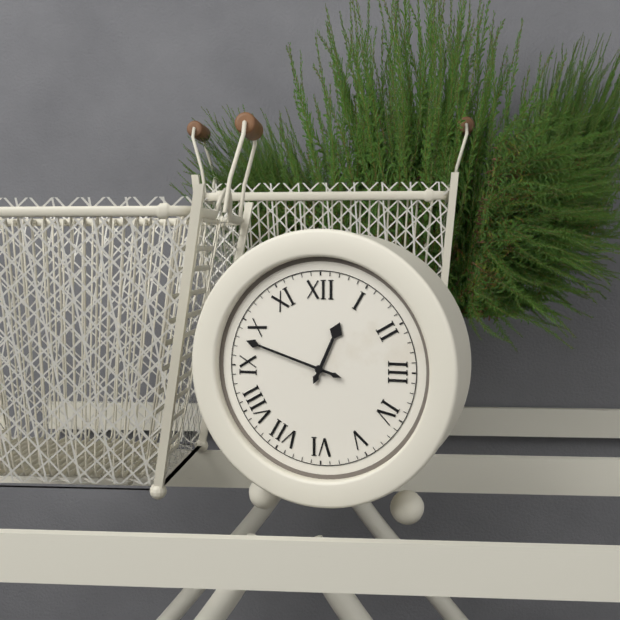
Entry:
h=12 m=48
